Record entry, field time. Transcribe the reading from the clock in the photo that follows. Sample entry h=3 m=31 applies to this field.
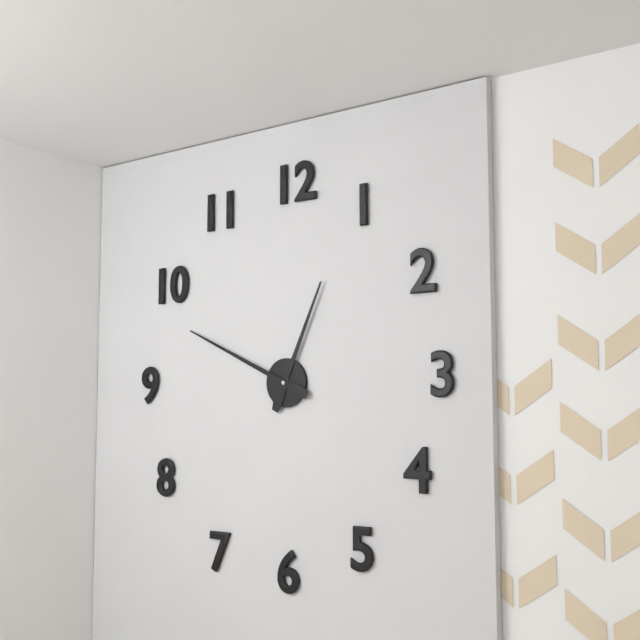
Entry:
h=12 m=49
